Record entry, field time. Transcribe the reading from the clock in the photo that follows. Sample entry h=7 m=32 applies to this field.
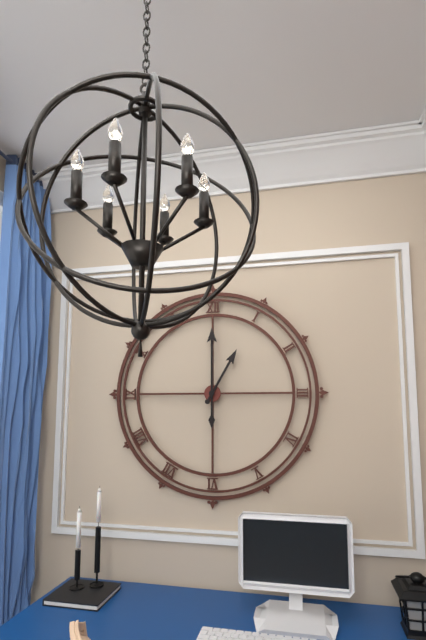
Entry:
h=1 m=0
